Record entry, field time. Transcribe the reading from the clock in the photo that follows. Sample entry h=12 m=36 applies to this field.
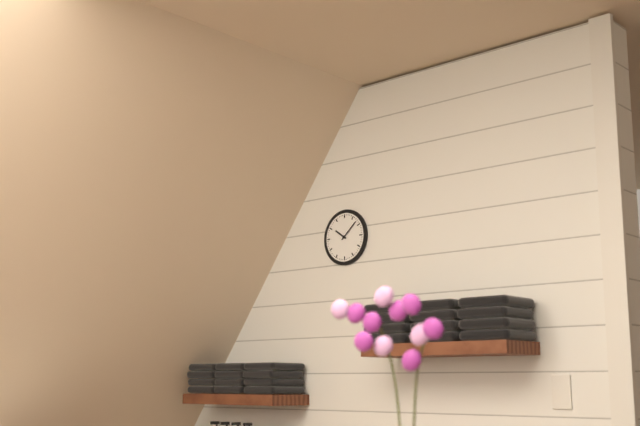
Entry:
h=10 m=8
